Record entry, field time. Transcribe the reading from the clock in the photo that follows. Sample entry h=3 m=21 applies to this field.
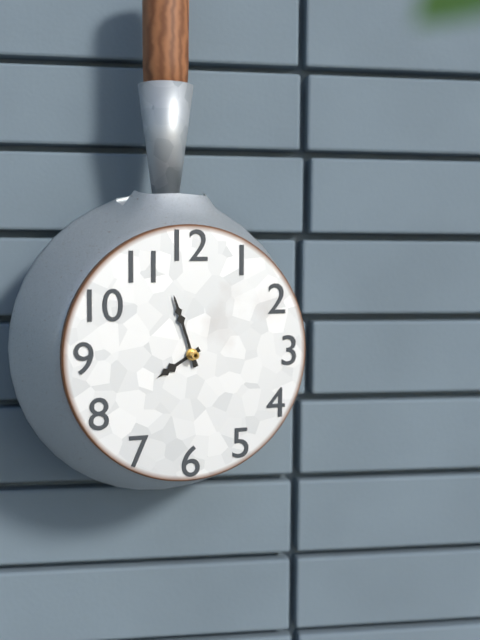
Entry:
h=7 m=57
